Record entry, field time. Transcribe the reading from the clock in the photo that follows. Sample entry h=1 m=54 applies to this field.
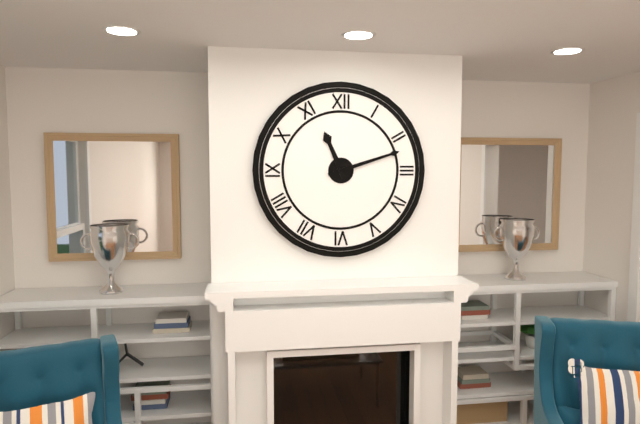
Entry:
h=11 m=12
